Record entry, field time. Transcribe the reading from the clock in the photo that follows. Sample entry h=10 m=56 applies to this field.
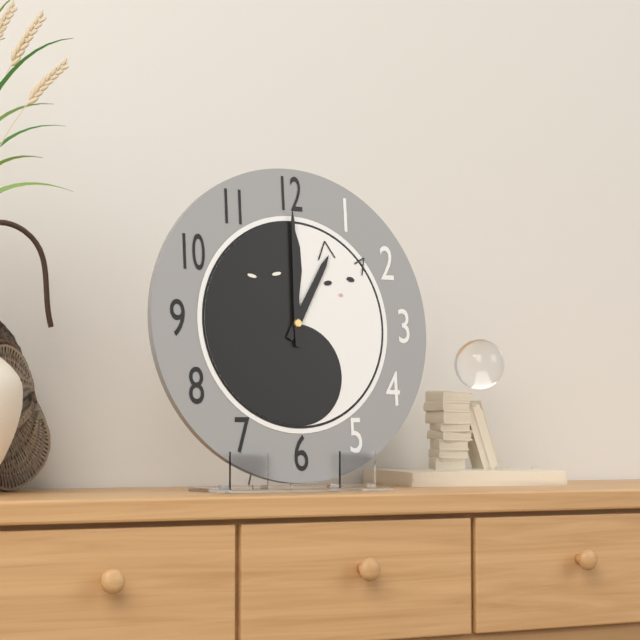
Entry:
h=1 m=0
